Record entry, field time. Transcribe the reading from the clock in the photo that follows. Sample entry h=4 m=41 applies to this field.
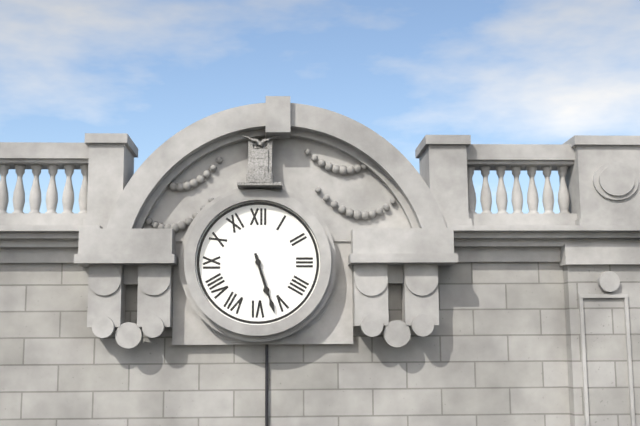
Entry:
h=5 m=27
